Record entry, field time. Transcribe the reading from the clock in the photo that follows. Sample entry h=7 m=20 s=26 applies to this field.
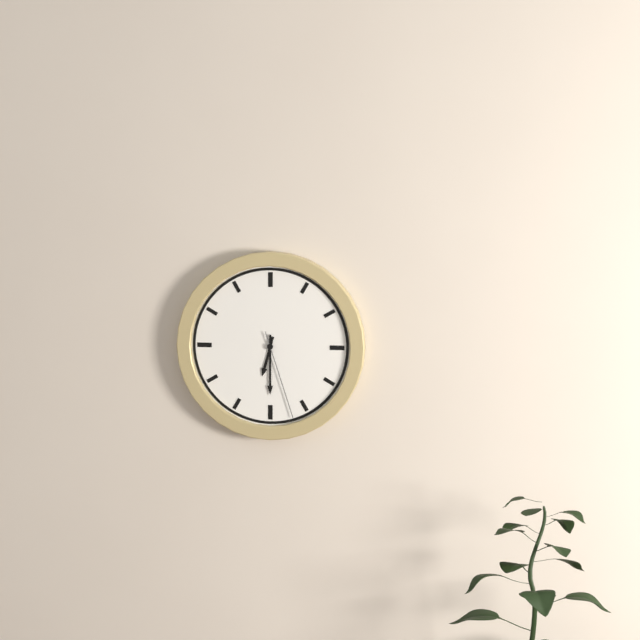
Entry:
h=6 m=30 s=27
